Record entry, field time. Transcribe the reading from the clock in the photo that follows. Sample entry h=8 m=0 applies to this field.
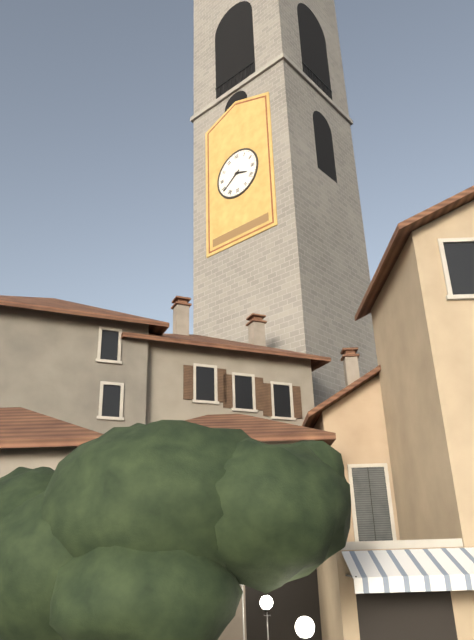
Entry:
h=3 m=39
